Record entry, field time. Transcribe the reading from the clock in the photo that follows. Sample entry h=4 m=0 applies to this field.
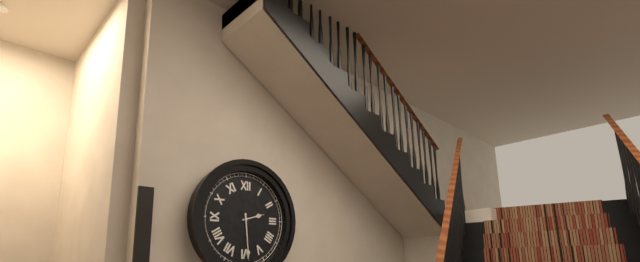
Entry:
h=2 m=29
